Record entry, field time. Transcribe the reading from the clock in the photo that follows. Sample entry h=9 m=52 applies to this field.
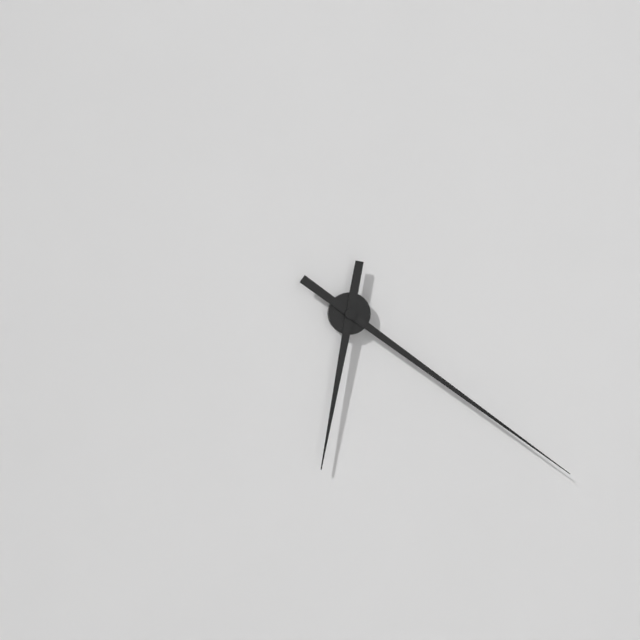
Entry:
h=6 m=21
